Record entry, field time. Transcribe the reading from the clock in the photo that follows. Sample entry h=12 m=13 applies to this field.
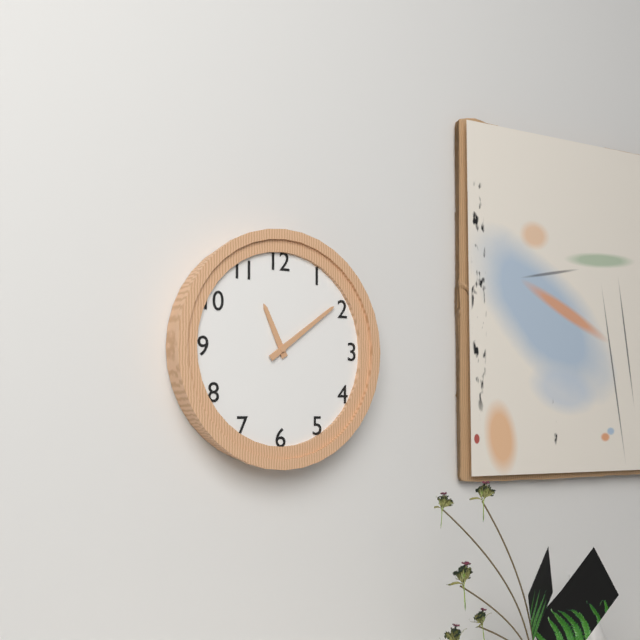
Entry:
h=11 m=9
